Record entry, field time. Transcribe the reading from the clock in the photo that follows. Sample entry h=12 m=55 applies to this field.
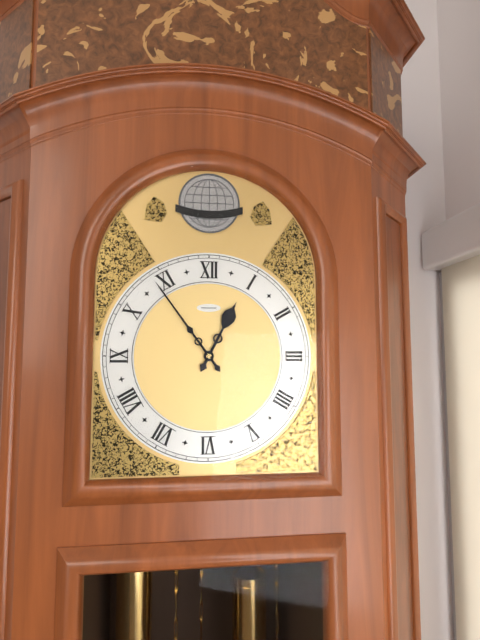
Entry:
h=12 m=54
